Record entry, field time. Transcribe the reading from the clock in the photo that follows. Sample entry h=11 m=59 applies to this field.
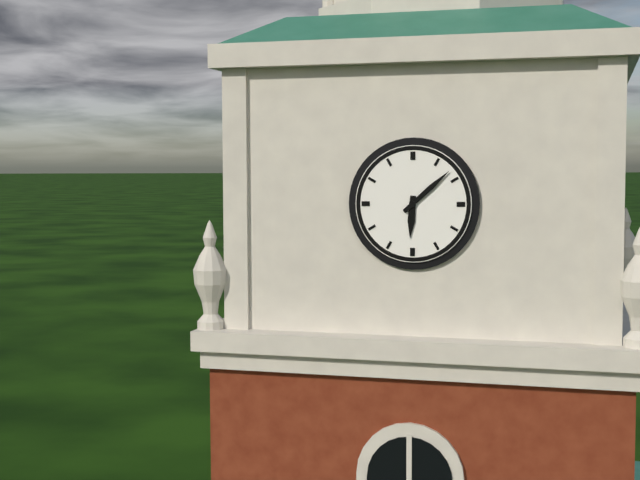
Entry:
h=6 m=8
